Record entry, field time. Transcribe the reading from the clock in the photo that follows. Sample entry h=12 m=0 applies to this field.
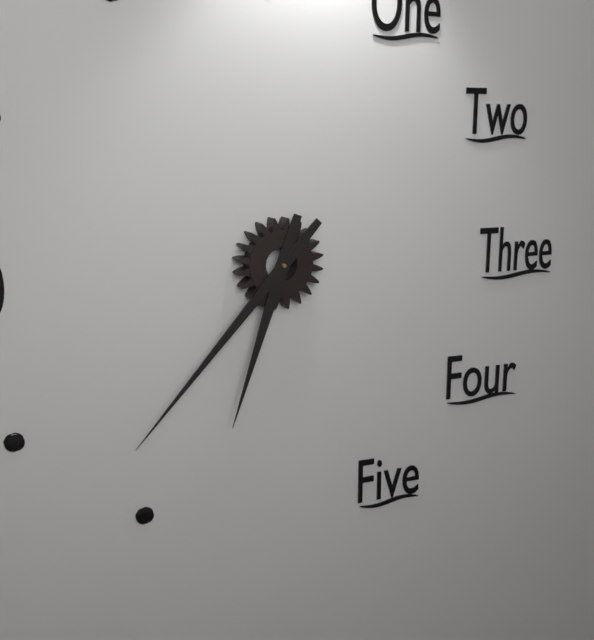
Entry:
h=6 m=37
